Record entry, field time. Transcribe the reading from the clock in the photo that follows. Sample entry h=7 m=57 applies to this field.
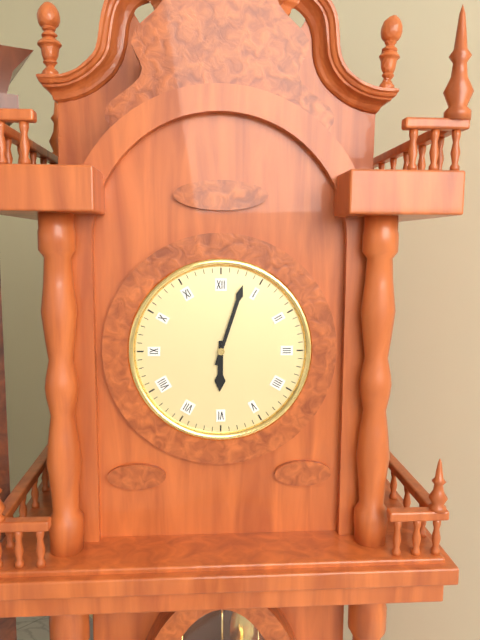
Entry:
h=6 m=3
